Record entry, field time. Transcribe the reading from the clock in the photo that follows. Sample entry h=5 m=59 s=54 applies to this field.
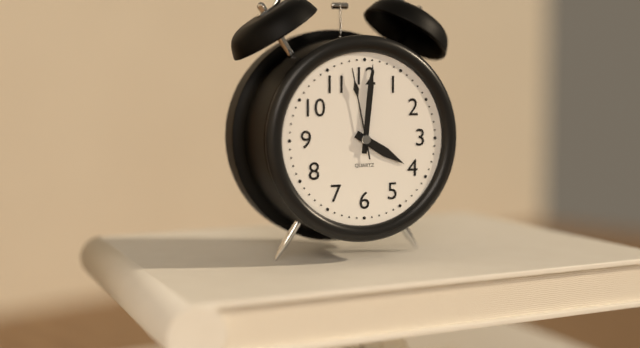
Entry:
h=4 m=1 s=58
